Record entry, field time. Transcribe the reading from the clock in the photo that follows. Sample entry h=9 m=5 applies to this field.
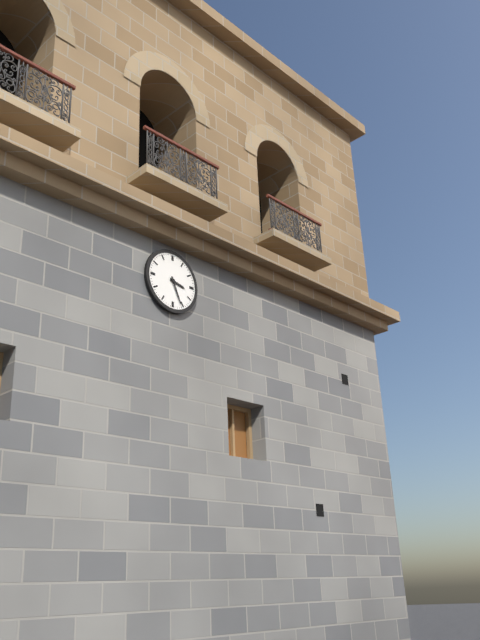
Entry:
h=3 m=26
